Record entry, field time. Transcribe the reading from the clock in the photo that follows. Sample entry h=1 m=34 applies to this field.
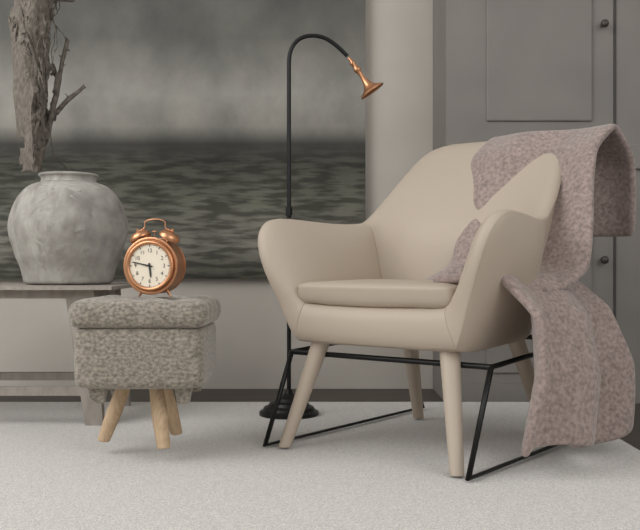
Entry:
h=5 m=47
